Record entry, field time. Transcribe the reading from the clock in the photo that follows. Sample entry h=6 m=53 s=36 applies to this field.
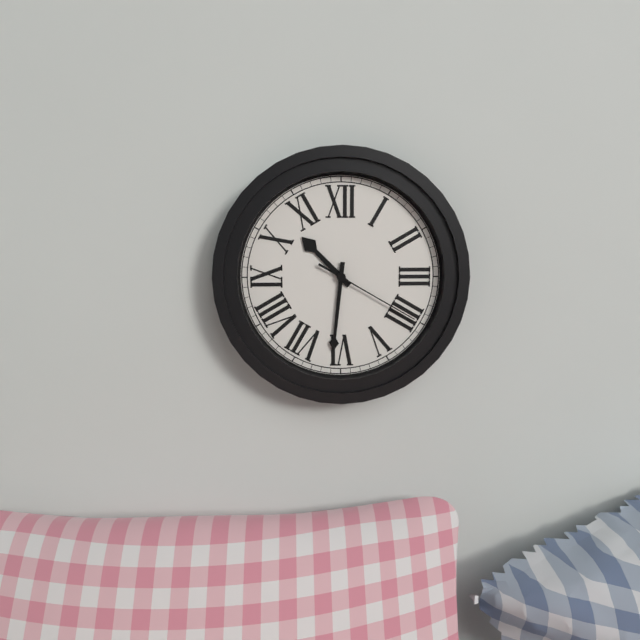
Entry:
h=10 m=31 s=20
